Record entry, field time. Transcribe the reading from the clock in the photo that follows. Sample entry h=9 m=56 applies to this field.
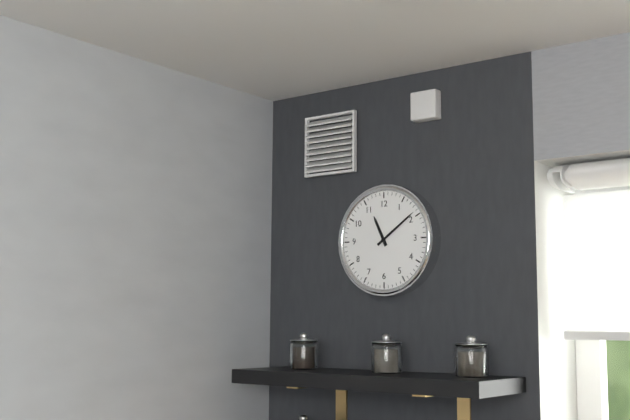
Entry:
h=11 m=9
